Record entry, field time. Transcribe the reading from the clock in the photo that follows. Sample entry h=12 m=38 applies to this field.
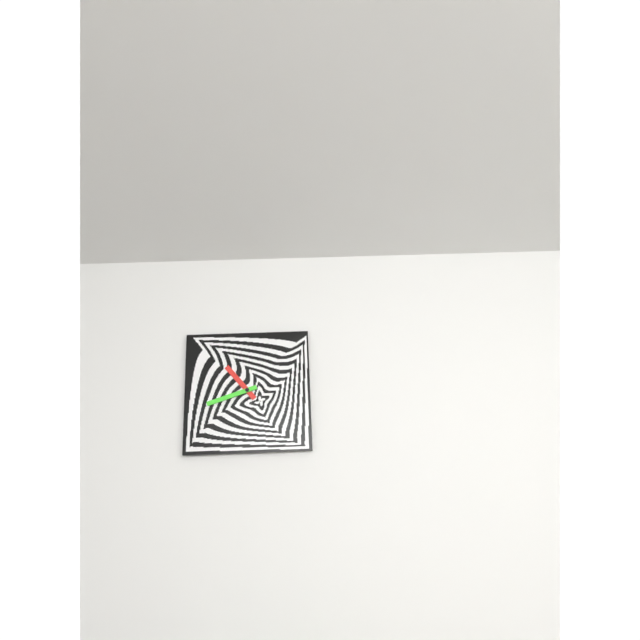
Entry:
h=10 m=42
